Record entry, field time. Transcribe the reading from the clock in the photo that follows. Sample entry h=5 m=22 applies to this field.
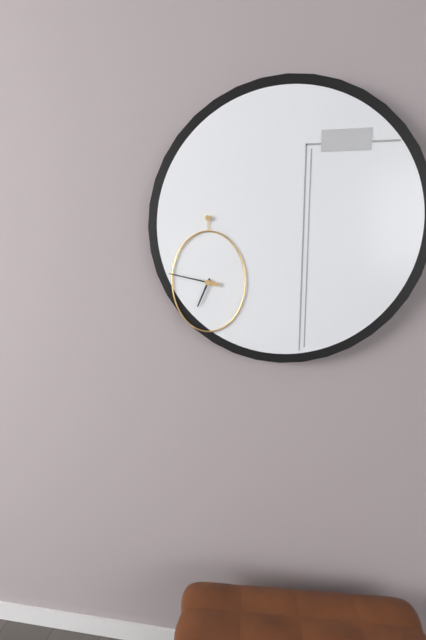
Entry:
h=6 m=47
